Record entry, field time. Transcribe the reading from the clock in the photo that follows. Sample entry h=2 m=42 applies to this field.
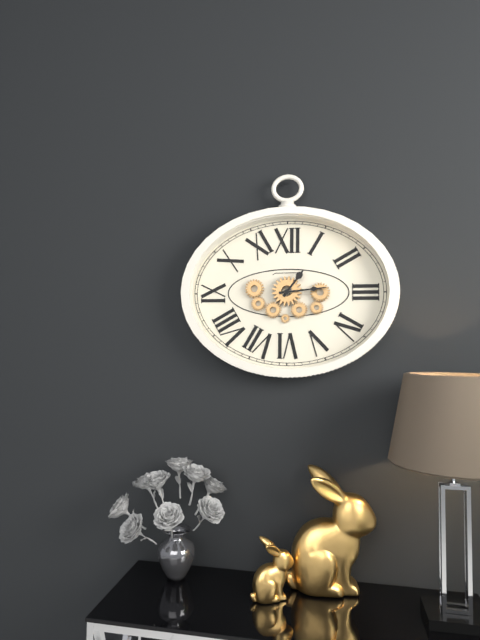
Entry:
h=1 m=14
